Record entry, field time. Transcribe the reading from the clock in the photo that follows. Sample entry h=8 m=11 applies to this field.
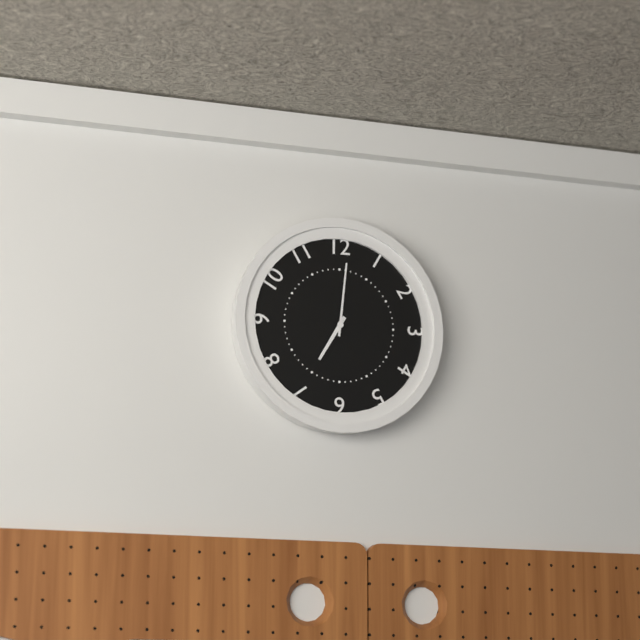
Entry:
h=7 m=1
